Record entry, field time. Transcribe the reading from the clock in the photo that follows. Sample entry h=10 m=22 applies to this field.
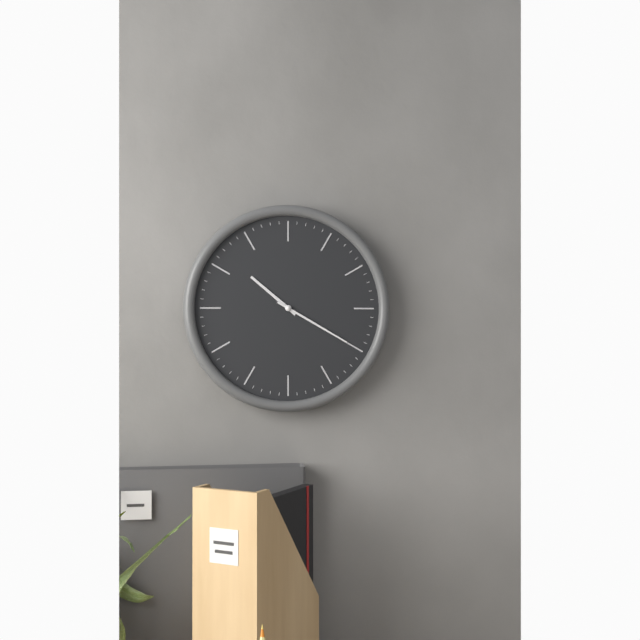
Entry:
h=10 m=20
